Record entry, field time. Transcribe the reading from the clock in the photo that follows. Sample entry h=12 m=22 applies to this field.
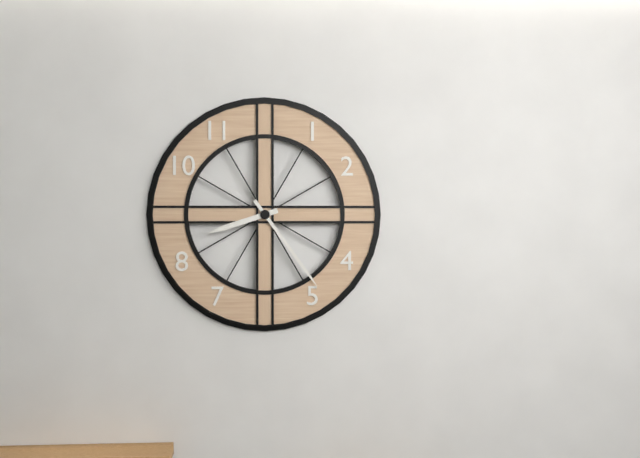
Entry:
h=8 m=24
